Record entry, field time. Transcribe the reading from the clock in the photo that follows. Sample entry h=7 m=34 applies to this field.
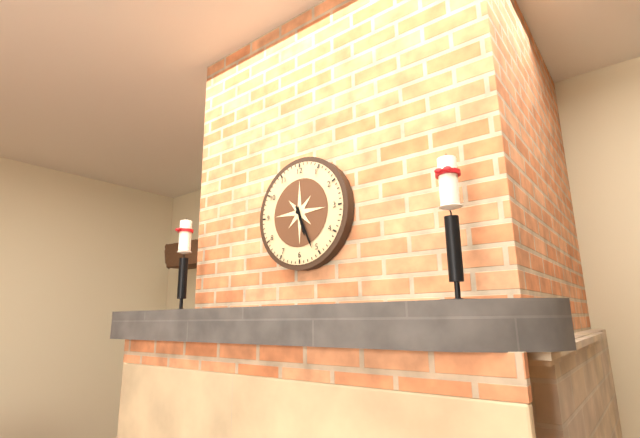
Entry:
h=5 m=26
